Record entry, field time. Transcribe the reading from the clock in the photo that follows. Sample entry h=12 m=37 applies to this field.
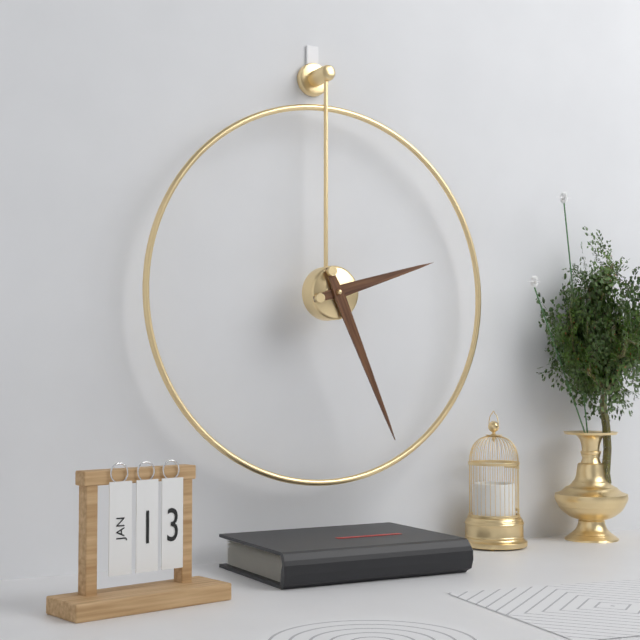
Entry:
h=2 m=26
